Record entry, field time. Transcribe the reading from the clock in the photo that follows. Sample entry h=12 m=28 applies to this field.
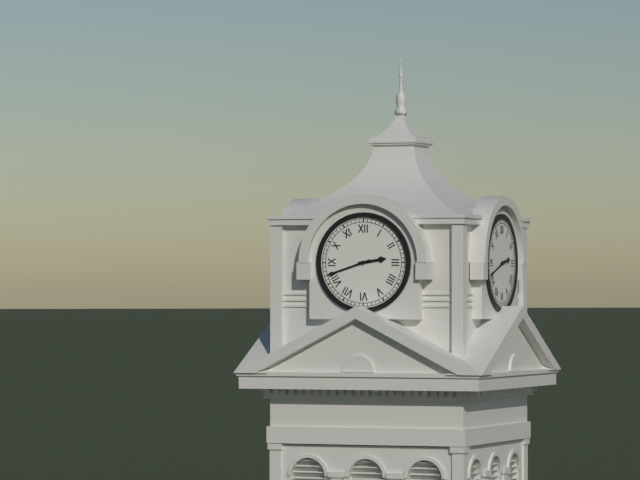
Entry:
h=2 m=42
